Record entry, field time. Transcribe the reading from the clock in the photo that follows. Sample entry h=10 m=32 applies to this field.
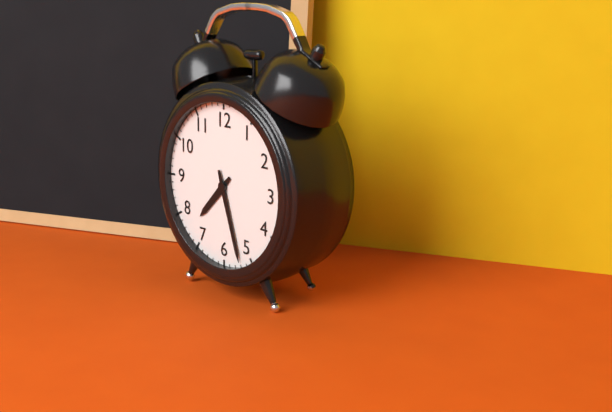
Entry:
h=7 m=27
